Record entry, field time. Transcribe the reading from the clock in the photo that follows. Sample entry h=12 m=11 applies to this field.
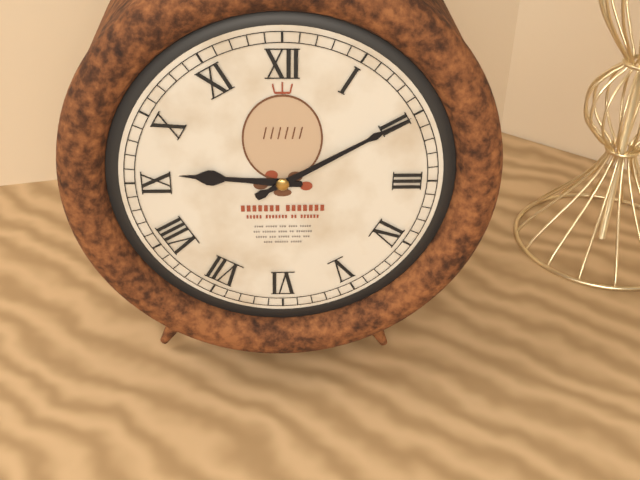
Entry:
h=9 m=10
